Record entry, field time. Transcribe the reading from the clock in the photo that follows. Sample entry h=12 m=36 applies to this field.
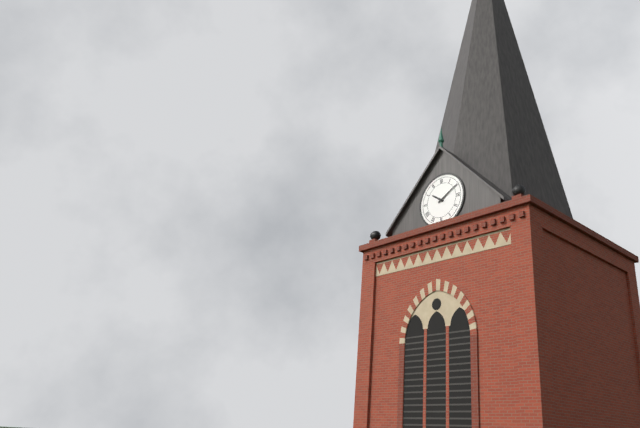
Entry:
h=10 m=10
